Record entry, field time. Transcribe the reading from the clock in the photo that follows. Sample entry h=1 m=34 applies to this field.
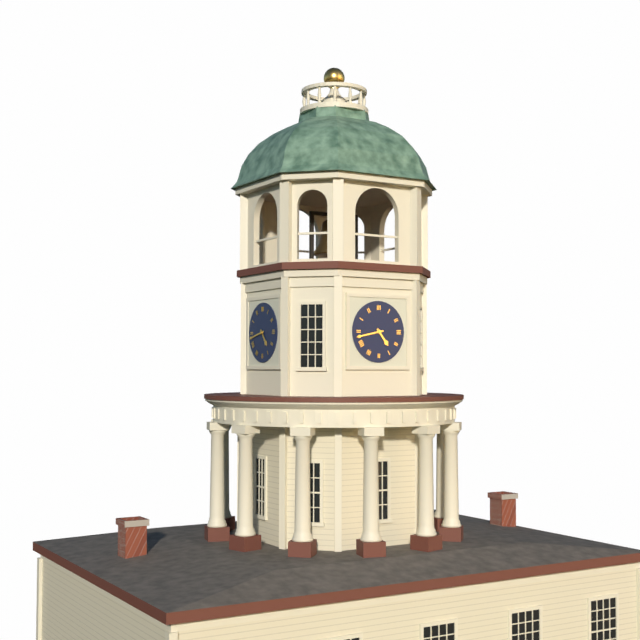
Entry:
h=4 m=43
